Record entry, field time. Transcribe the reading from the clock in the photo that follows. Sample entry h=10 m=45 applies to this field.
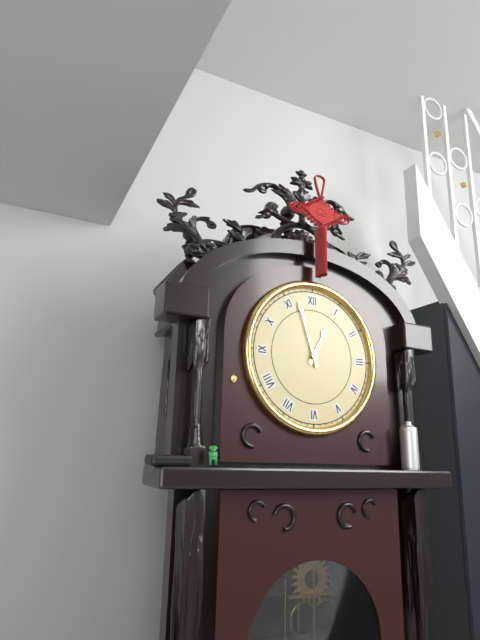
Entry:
h=12 m=57
